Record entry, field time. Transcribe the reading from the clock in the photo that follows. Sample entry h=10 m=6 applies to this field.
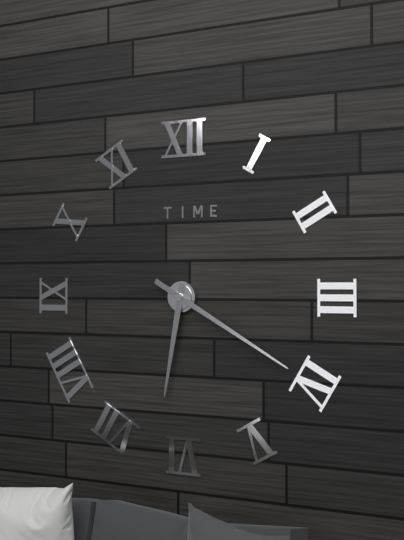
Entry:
h=6 m=20
